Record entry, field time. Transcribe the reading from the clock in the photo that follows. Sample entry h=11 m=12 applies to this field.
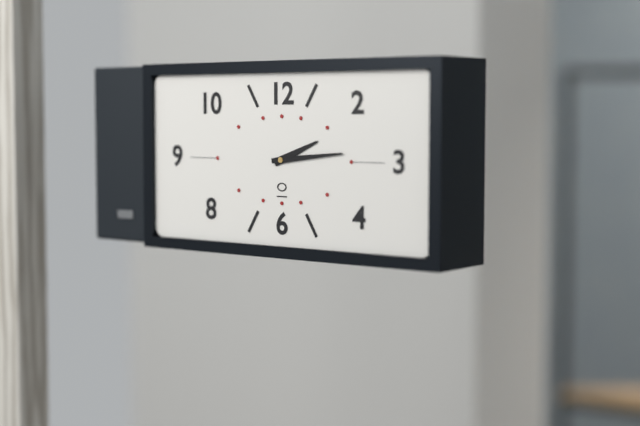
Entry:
h=2 m=14
